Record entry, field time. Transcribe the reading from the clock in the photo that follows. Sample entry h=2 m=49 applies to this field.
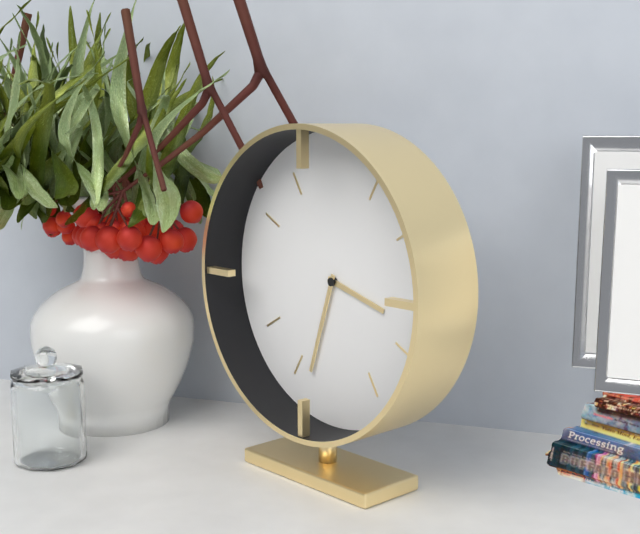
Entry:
h=3 m=33
